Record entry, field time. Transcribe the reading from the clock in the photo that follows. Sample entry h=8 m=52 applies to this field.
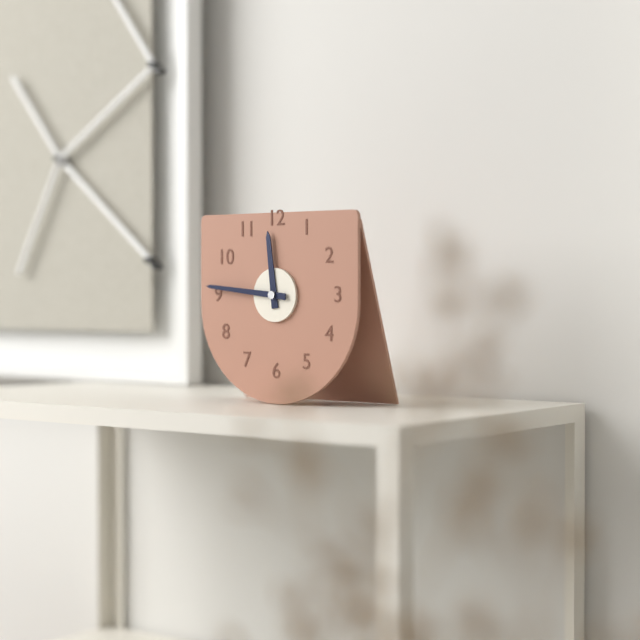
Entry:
h=11 m=46
